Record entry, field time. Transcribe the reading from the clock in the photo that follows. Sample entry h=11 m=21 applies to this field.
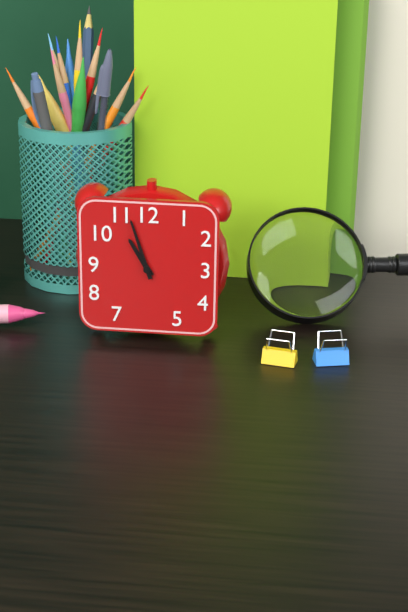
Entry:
h=10 m=57
